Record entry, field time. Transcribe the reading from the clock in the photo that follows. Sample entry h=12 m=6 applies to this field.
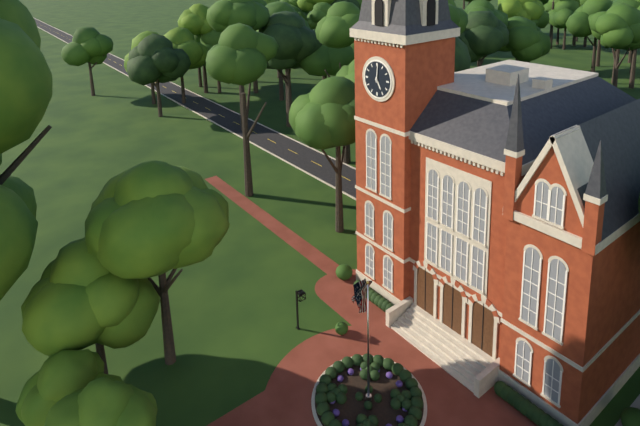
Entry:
h=5 m=1
